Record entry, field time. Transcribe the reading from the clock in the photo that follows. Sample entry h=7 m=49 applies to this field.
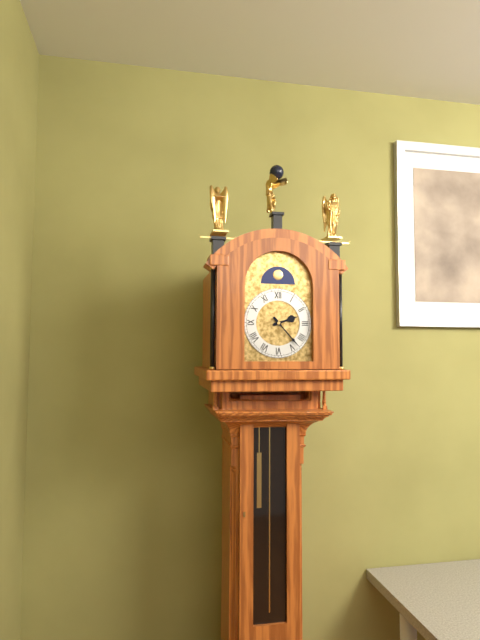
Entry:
h=2 m=23
